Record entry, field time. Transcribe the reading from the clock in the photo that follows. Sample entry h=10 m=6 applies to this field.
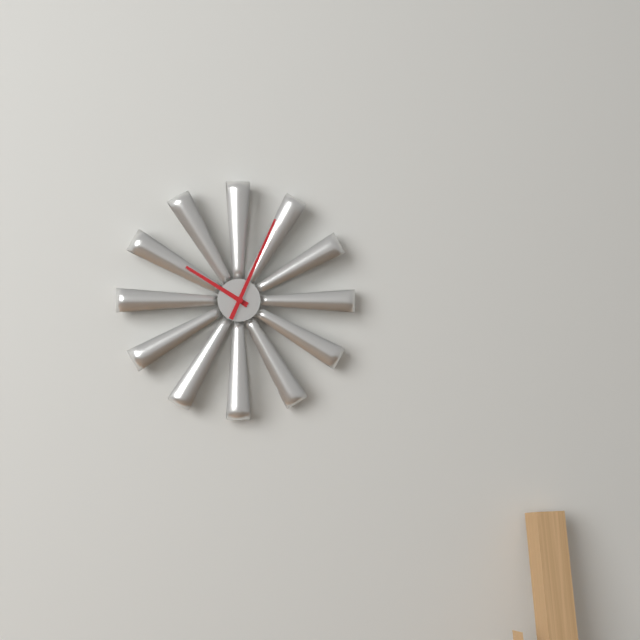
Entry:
h=10 m=4
